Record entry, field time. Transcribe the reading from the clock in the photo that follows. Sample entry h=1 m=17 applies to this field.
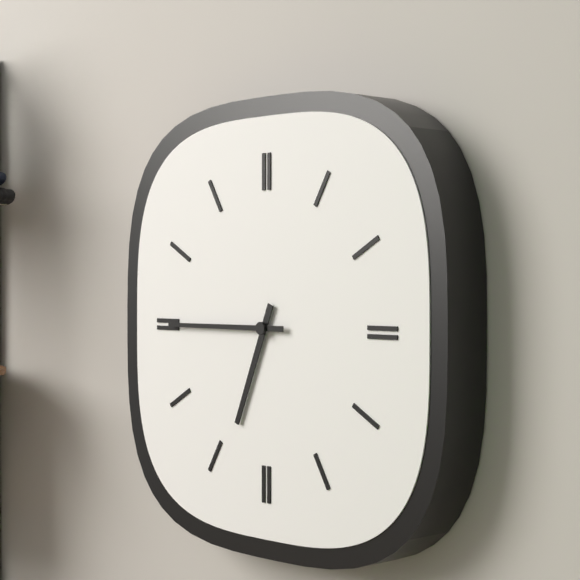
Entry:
h=6 m=45
